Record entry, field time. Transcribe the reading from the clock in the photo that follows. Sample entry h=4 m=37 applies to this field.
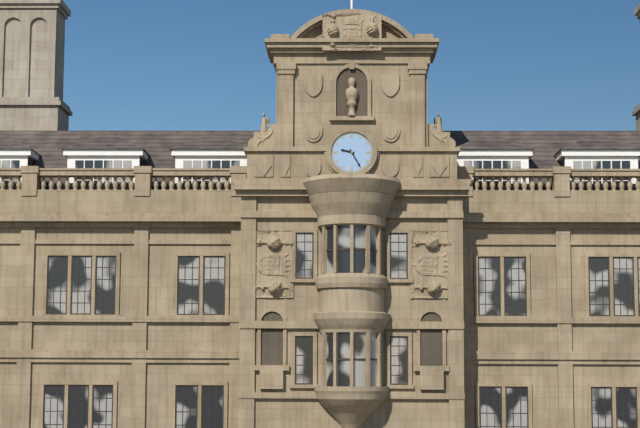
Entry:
h=9 m=25
